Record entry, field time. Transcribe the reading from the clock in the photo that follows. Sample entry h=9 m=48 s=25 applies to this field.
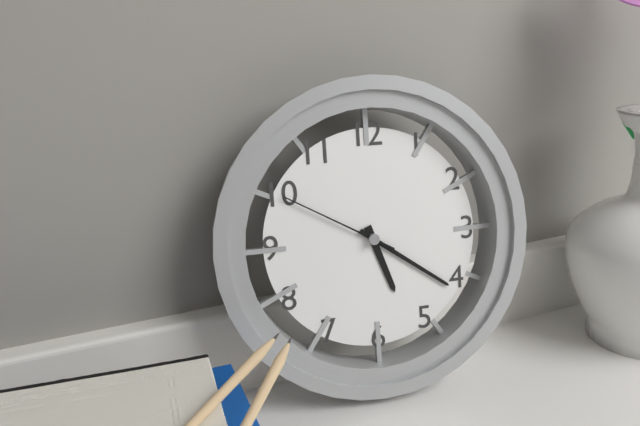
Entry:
h=5 m=21 s=50
